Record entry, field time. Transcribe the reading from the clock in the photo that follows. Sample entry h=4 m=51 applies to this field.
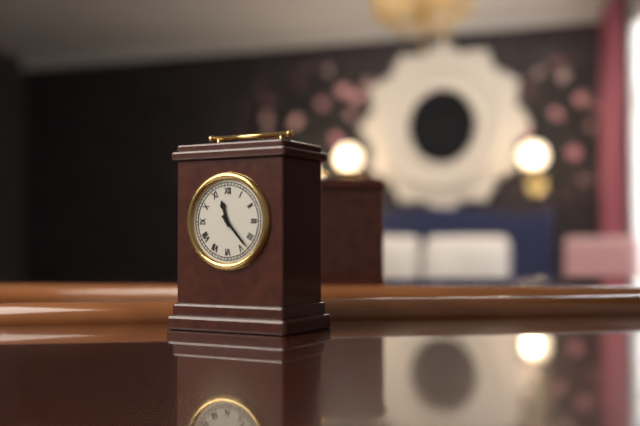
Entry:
h=11 m=23
